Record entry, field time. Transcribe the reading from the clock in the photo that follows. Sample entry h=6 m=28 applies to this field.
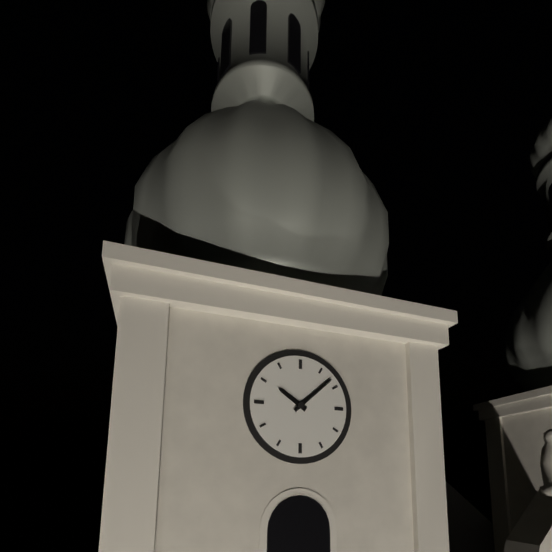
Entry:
h=10 m=8
